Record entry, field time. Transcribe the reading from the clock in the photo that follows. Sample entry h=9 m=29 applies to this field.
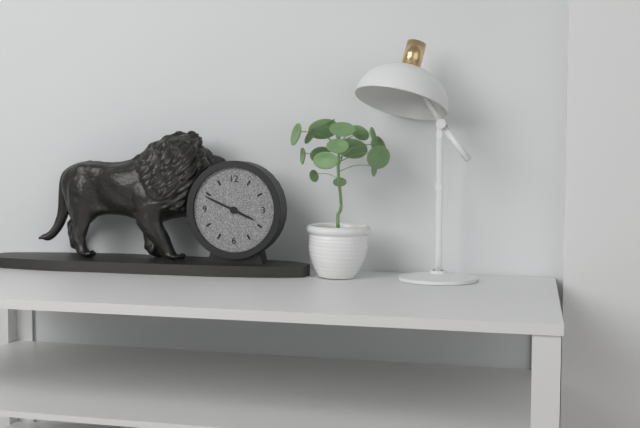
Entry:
h=3 m=49
